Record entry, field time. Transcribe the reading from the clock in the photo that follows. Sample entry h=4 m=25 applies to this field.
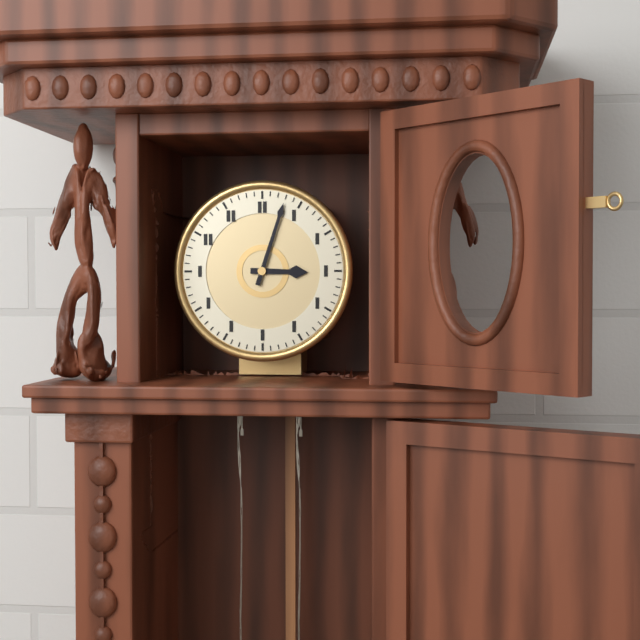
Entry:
h=3 m=3
